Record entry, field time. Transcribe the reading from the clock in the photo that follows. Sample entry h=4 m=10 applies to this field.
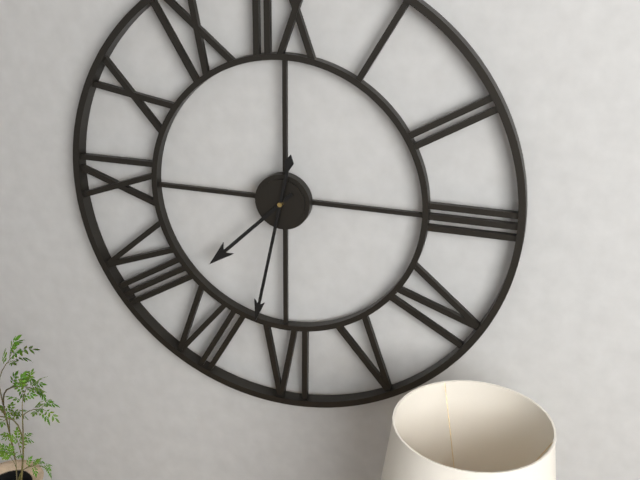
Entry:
h=7 m=32
